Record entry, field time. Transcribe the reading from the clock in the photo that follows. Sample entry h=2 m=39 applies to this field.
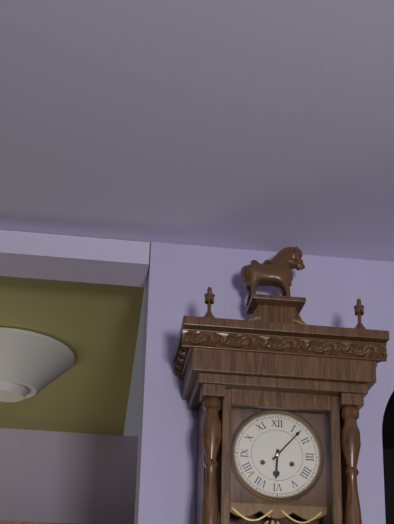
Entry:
h=6 m=7
